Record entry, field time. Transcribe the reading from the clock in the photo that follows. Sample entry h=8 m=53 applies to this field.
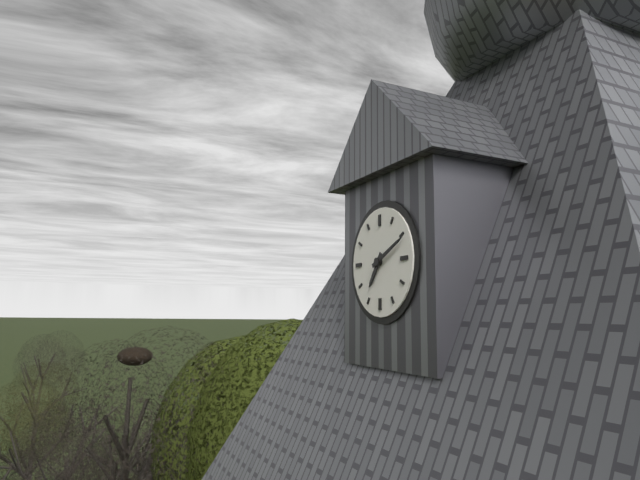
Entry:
h=7 m=11
